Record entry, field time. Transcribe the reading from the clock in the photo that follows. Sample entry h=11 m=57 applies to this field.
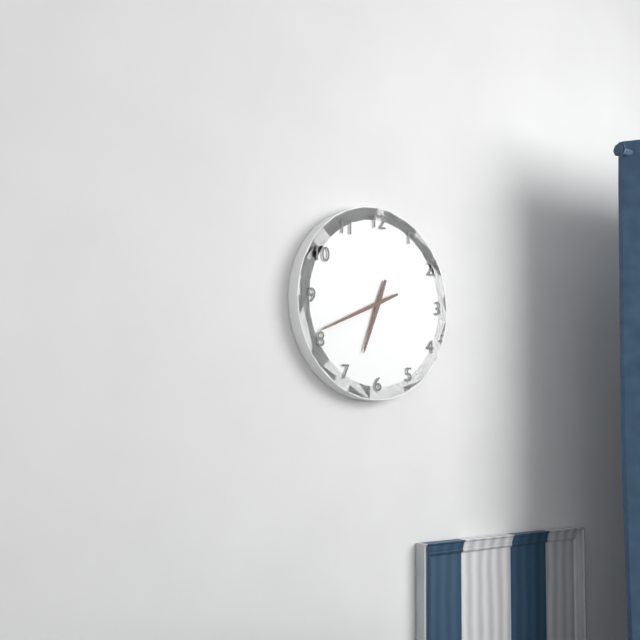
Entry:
h=6 m=41
